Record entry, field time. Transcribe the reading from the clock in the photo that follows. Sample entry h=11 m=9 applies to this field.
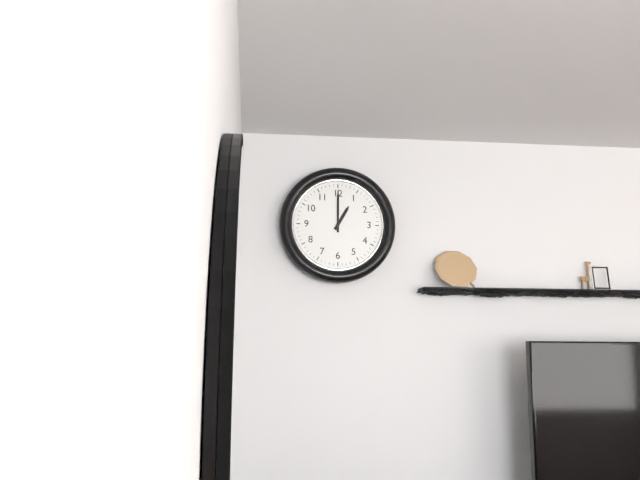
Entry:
h=1 m=0
